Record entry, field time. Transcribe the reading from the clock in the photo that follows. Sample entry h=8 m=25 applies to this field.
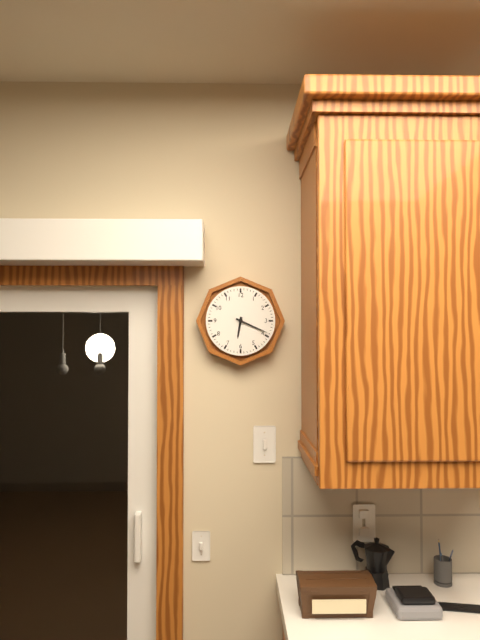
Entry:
h=6 m=19
